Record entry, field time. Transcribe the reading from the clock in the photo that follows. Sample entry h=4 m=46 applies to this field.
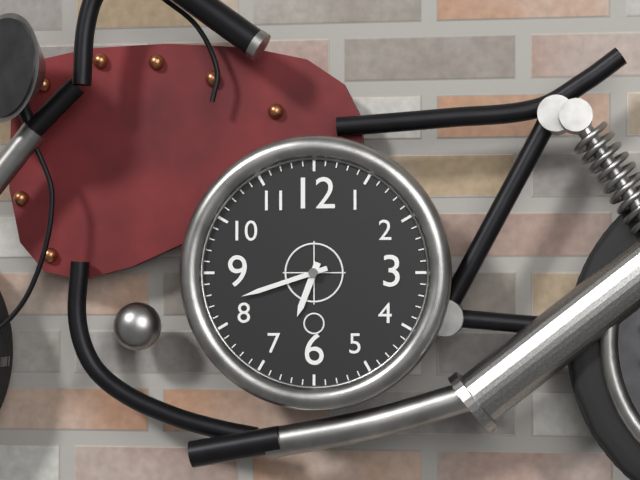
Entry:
h=6 m=42
